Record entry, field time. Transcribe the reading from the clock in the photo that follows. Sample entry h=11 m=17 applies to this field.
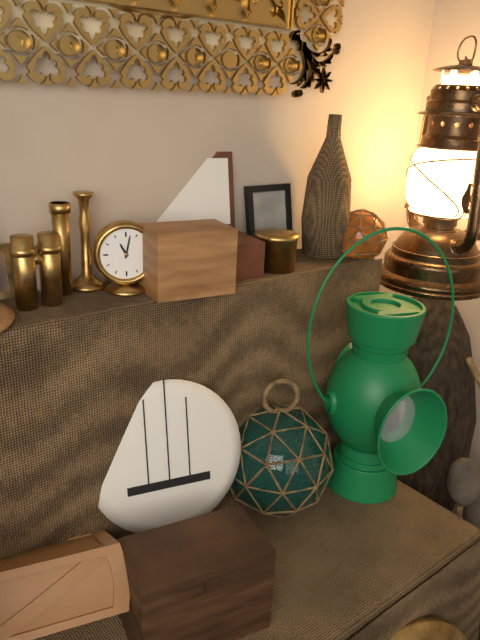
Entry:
h=11 m=2
